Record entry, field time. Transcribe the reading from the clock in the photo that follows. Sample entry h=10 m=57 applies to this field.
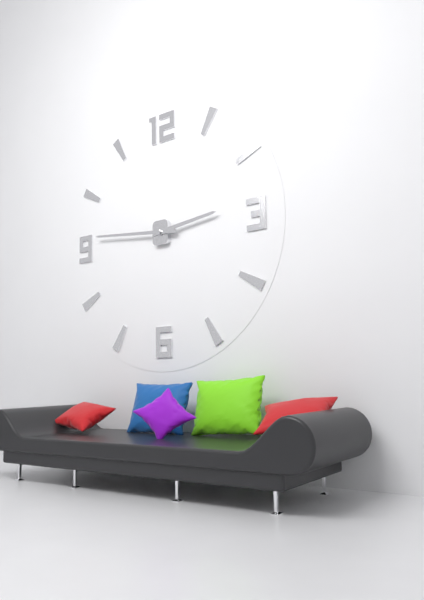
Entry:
h=2 m=46
